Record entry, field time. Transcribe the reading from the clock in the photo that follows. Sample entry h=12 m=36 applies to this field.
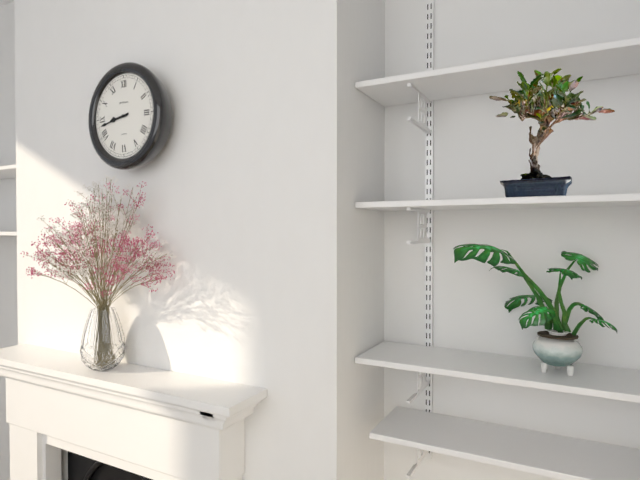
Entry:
h=8 m=43
